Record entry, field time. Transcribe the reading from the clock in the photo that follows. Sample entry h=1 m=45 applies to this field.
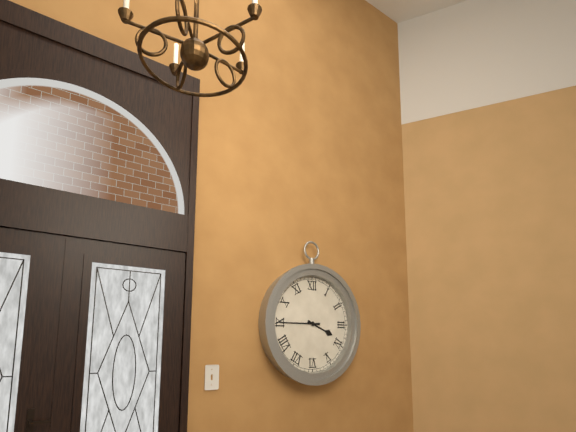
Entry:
h=3 m=45
